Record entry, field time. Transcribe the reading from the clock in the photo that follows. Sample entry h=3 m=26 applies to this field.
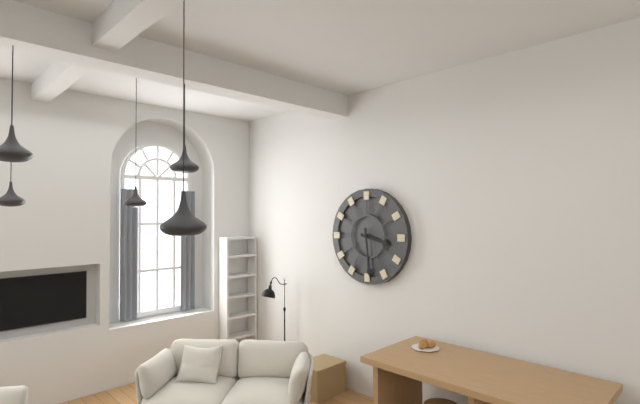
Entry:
h=3 m=29
